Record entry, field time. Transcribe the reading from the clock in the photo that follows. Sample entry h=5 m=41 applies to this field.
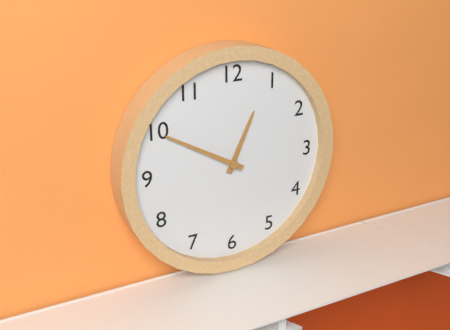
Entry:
h=12 m=50
